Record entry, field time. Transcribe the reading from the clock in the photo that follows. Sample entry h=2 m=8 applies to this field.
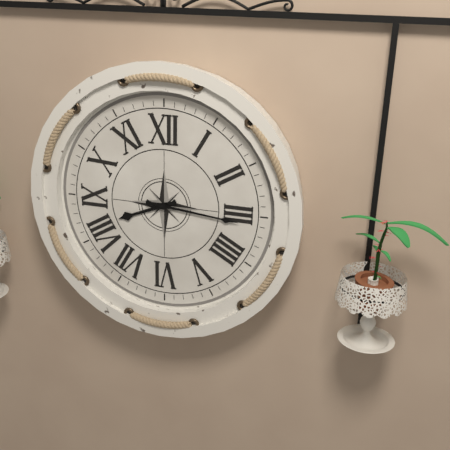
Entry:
h=8 m=16
